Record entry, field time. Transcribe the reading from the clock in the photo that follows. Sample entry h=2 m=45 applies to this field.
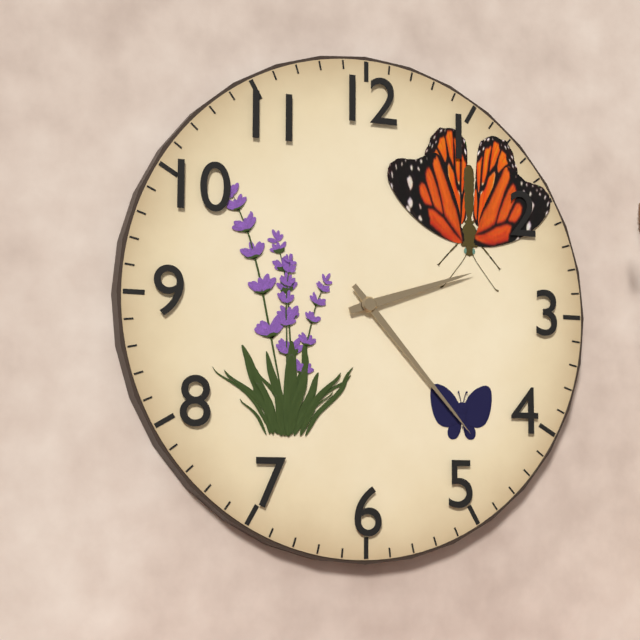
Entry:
h=2 m=23
